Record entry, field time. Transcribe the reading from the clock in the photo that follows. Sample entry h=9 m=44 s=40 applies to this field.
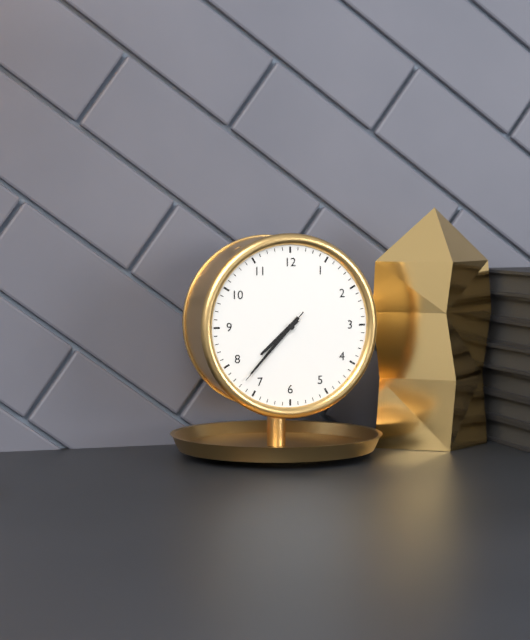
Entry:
h=7 m=37 s=37
